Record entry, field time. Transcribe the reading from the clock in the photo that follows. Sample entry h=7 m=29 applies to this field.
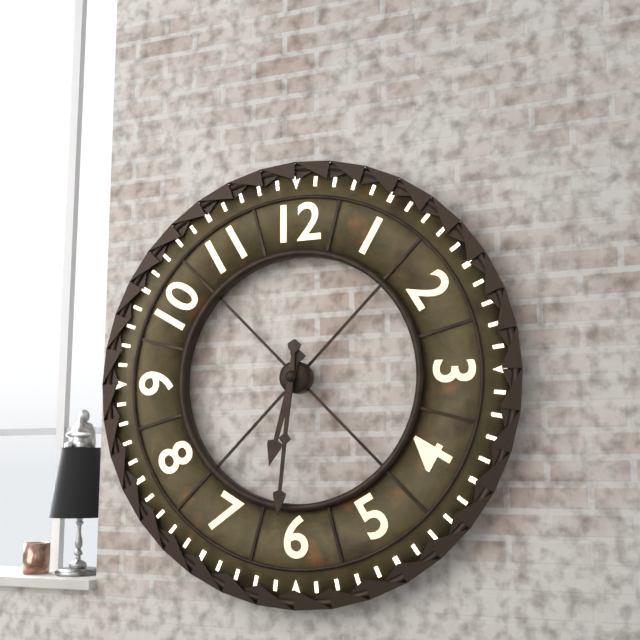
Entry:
h=6 m=31
